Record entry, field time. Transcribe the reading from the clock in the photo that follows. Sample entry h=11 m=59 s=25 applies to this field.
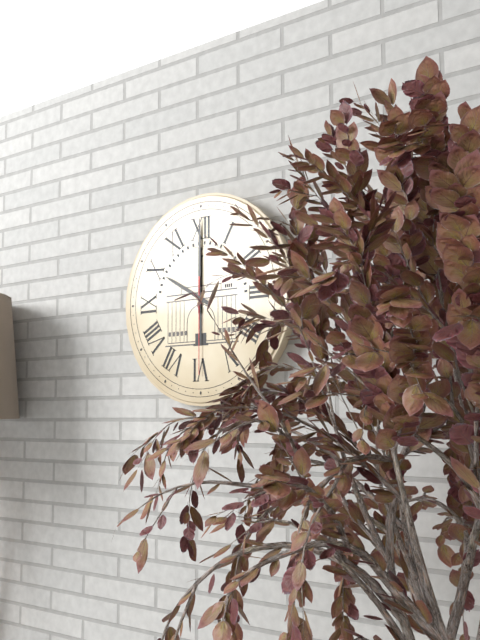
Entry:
h=10 m=0 s=30
